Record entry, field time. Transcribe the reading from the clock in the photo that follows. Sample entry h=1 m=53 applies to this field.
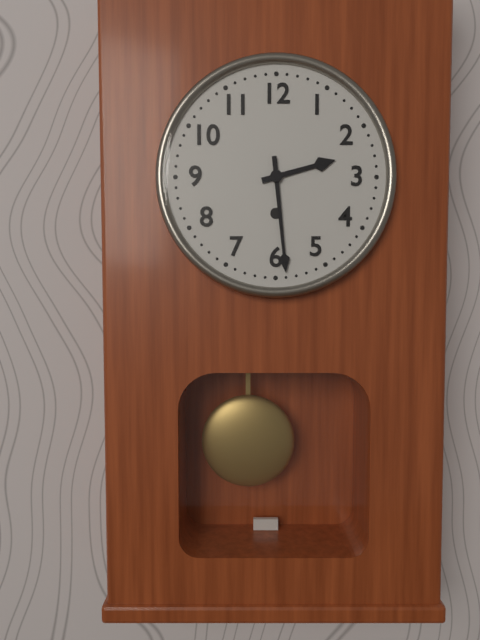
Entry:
h=2 m=29
